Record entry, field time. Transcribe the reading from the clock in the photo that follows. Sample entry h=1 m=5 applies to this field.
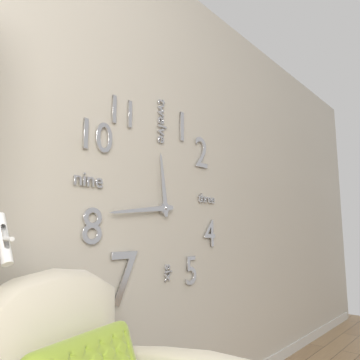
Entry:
h=11 m=44
